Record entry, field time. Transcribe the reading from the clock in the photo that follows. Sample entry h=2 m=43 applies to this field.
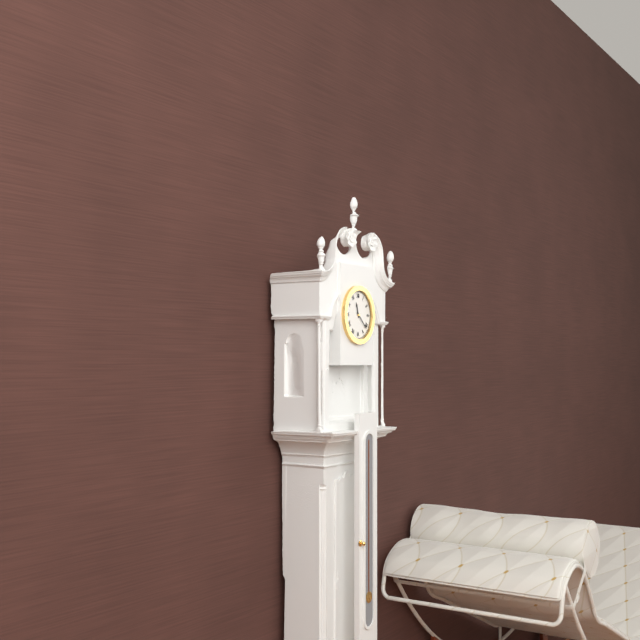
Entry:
h=11 m=22
